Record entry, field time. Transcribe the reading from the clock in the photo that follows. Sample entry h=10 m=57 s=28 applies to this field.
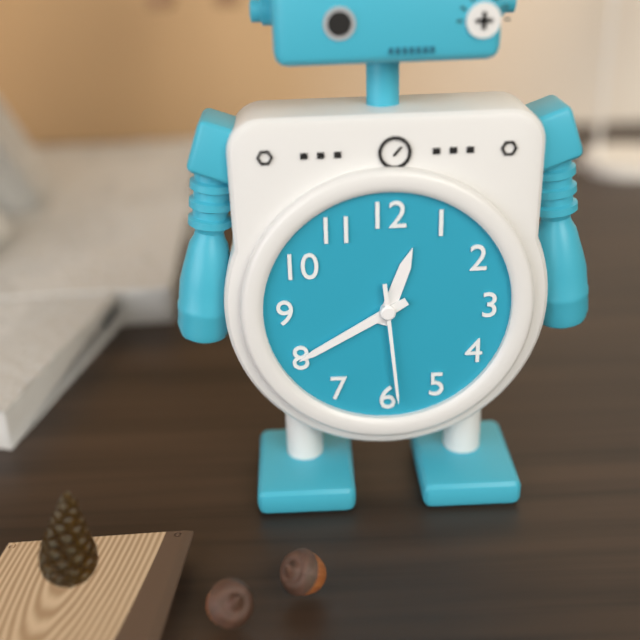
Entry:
h=12 m=40 s=29
